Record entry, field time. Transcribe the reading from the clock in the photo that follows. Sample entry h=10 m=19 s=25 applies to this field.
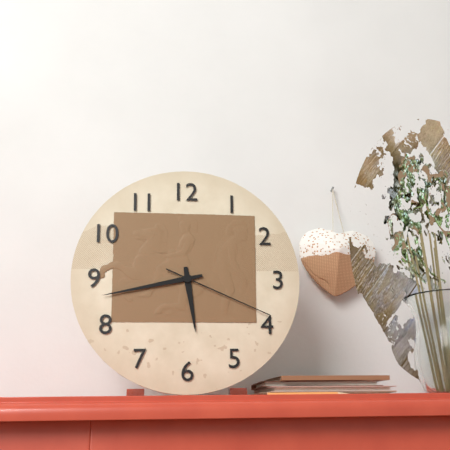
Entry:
h=5 m=43 s=19
